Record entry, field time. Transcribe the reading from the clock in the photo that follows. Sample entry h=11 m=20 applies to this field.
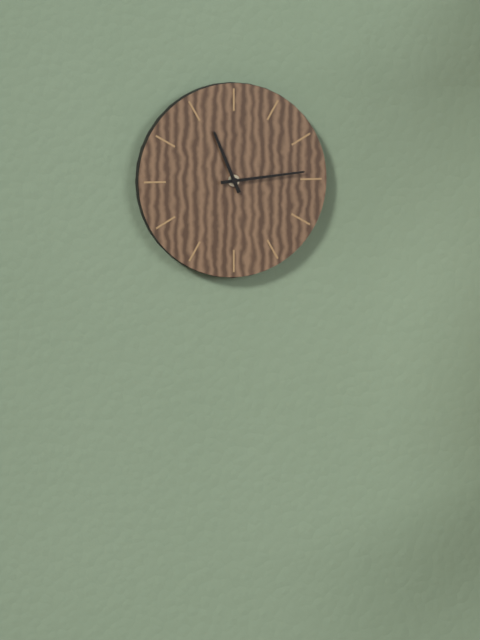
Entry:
h=11 m=14
